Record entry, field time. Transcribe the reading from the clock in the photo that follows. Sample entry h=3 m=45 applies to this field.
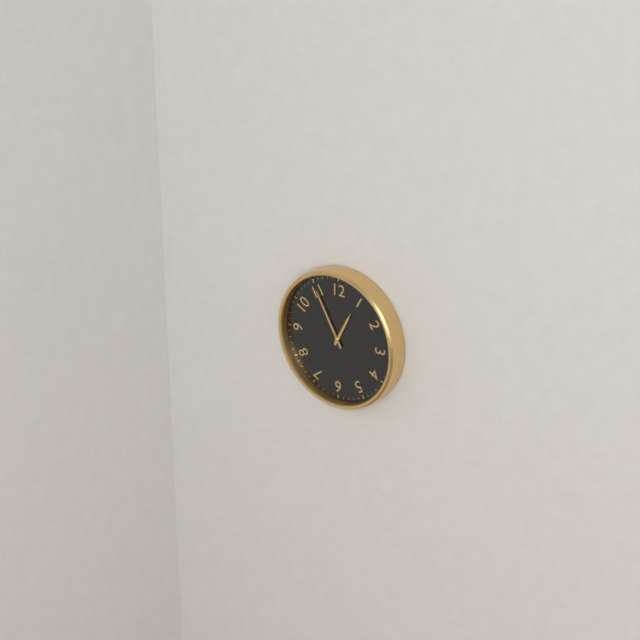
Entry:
h=12 m=55
